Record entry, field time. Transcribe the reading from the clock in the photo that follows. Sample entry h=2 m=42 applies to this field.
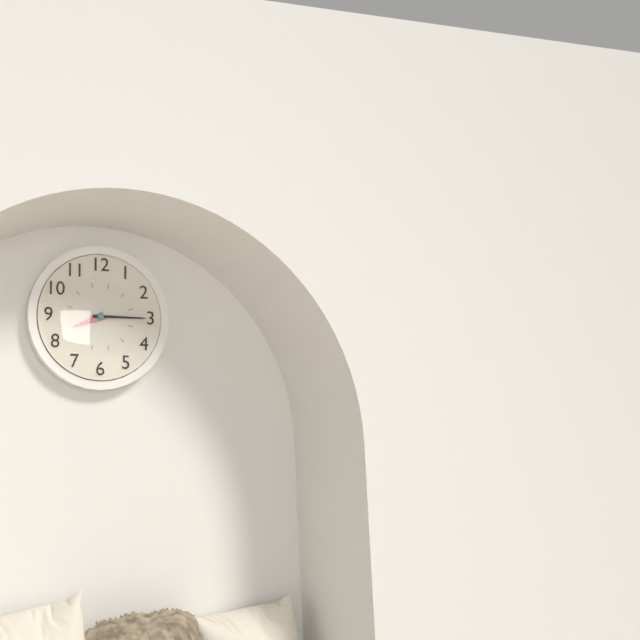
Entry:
h=8 m=15
